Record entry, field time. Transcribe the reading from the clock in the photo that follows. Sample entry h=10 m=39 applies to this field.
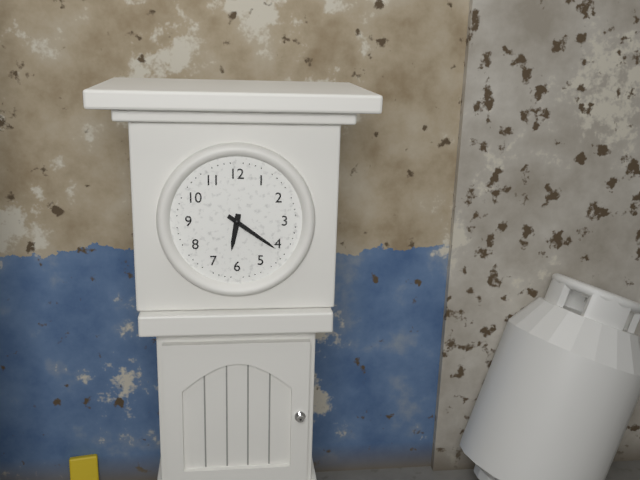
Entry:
h=6 m=21
